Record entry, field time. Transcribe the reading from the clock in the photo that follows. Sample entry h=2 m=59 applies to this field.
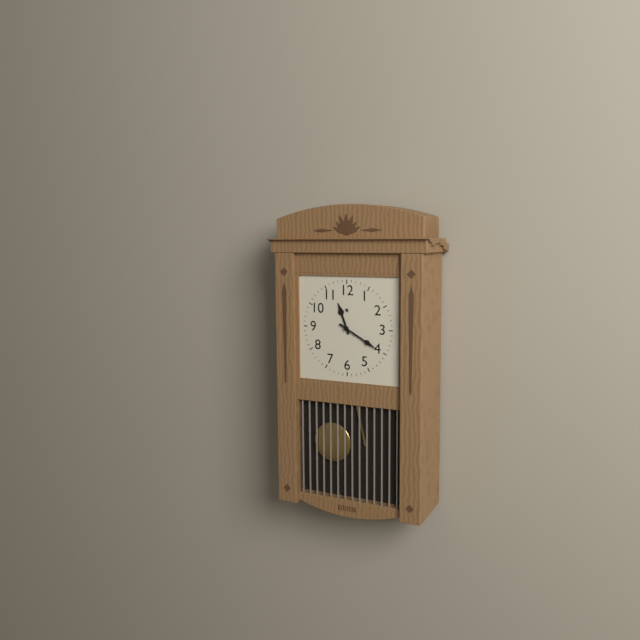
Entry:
h=11 m=20
